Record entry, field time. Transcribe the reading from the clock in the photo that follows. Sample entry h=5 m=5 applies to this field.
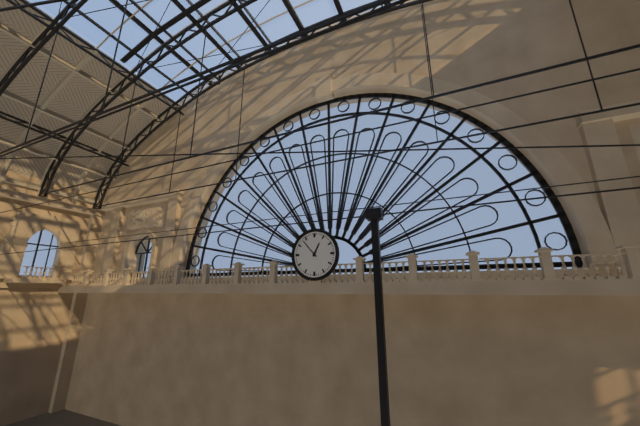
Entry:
h=12 m=53
